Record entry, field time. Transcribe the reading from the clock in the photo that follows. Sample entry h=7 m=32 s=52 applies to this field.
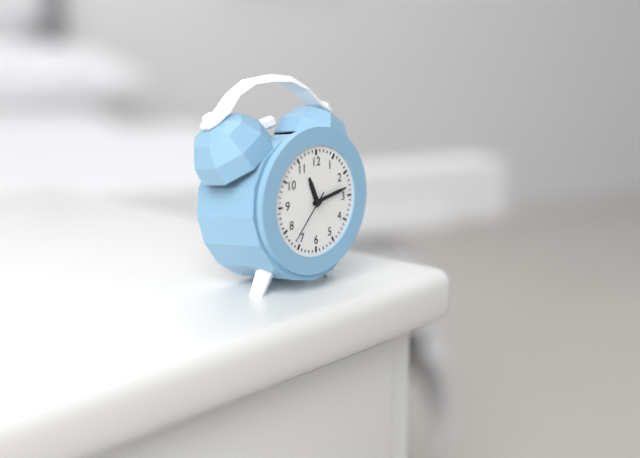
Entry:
h=11 m=13 s=37
